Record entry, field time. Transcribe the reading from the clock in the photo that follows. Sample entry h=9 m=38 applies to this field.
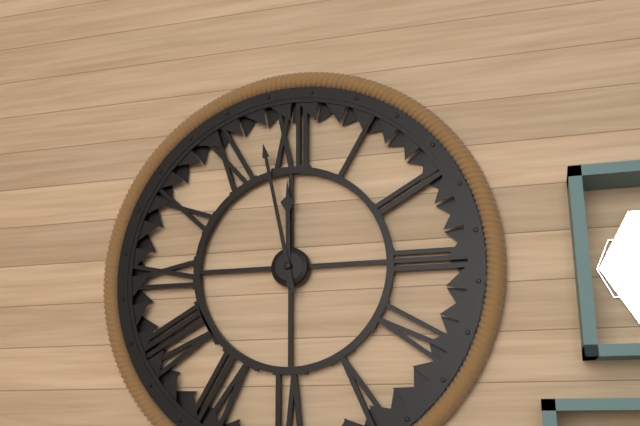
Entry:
h=11 m=58
